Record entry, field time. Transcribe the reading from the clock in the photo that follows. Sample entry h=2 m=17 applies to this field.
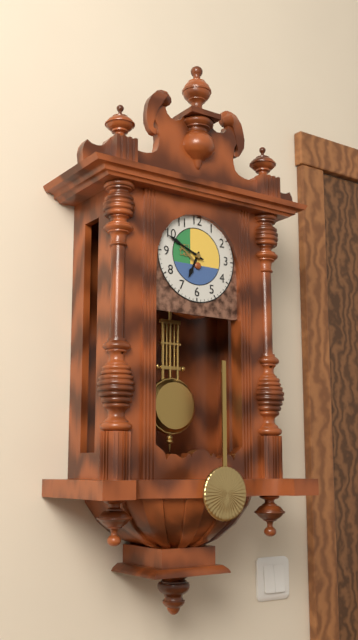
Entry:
h=6 m=49
